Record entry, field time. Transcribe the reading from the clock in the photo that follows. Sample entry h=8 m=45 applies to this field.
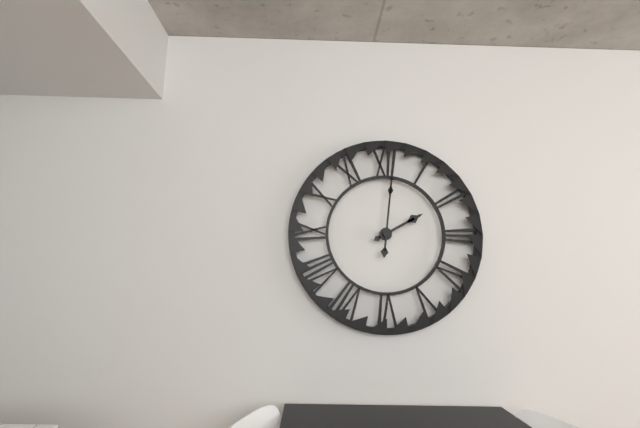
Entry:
h=2 m=1
